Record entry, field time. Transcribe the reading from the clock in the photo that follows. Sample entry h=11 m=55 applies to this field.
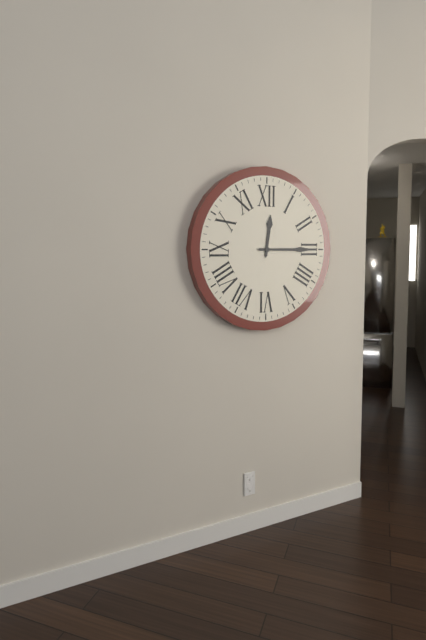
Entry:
h=12 m=15
